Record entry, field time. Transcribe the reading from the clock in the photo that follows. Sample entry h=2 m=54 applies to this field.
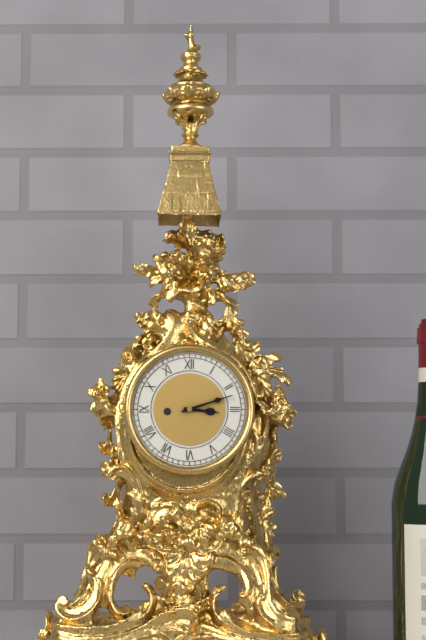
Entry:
h=3 m=12
